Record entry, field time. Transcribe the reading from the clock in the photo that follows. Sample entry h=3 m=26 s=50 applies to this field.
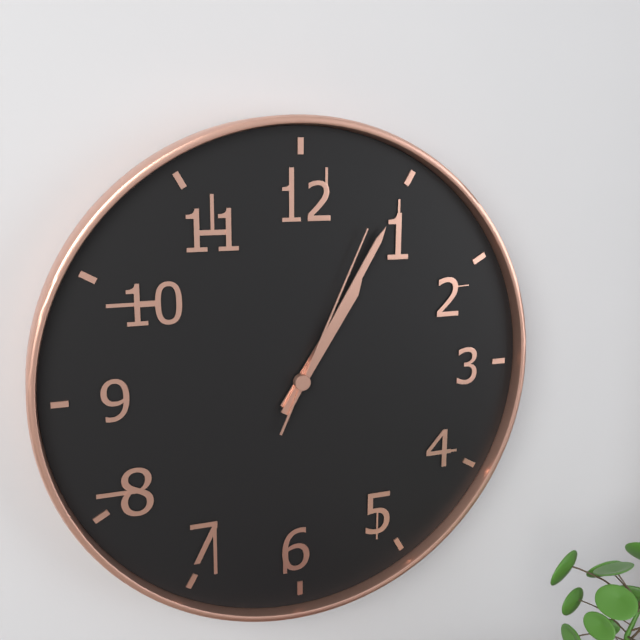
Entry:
h=1 m=5 s=4
